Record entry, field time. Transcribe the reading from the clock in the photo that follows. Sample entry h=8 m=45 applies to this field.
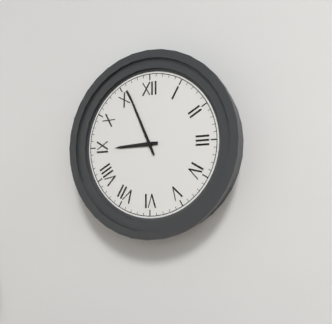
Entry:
h=8 m=56
